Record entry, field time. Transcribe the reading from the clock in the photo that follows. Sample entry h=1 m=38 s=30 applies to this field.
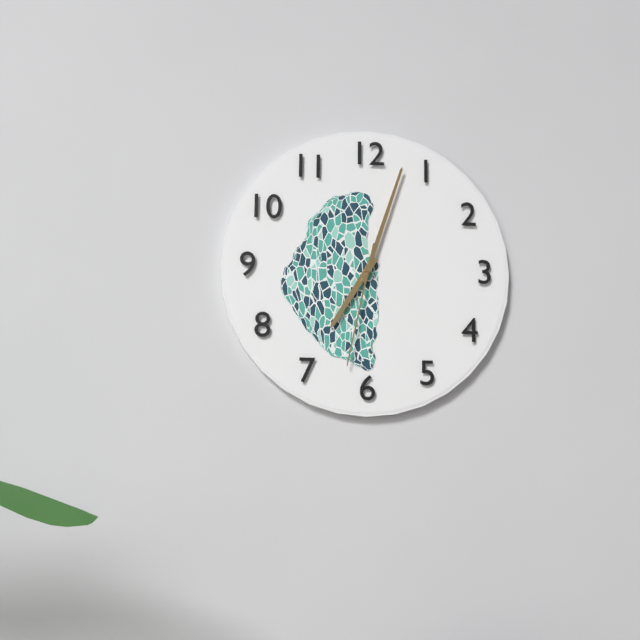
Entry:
h=7 m=3 s=32
